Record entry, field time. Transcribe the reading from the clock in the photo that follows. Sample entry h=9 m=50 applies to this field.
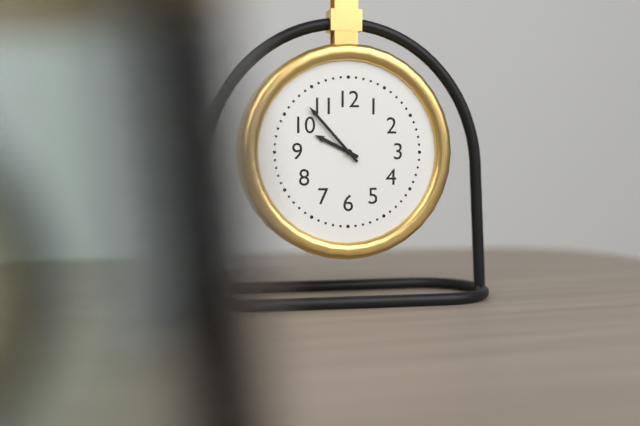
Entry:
h=9 m=53
